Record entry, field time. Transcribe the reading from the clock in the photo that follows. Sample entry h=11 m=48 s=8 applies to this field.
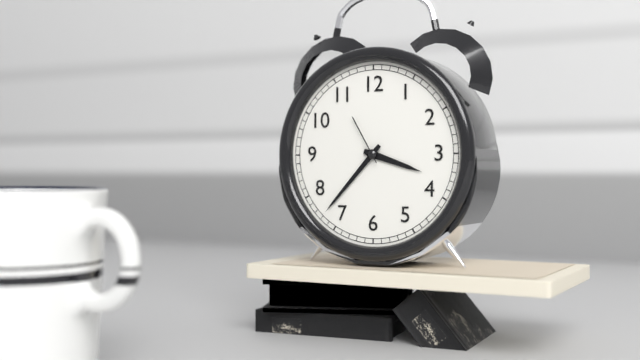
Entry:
h=3 m=37 s=55
